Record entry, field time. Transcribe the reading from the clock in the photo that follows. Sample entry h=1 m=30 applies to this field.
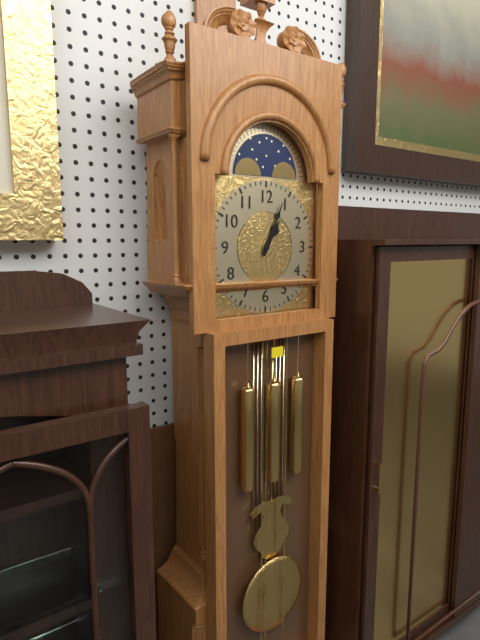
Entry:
h=1 m=4
